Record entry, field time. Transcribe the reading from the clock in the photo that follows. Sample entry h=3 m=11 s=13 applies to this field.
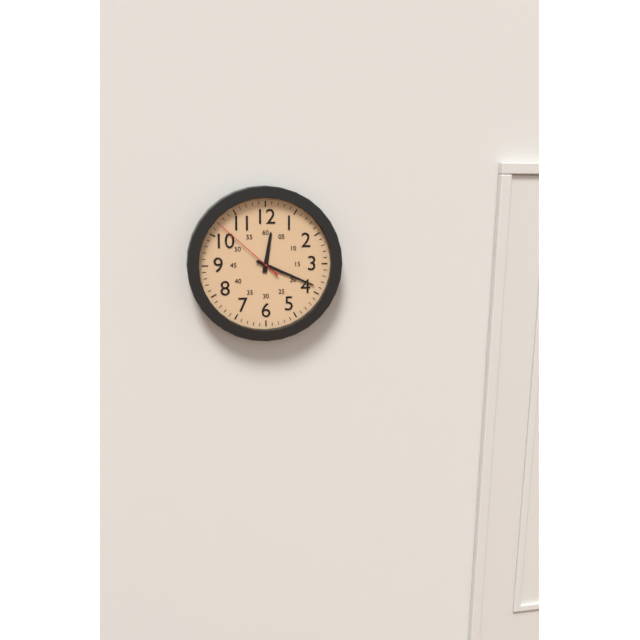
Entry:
h=12 m=19 s=52
